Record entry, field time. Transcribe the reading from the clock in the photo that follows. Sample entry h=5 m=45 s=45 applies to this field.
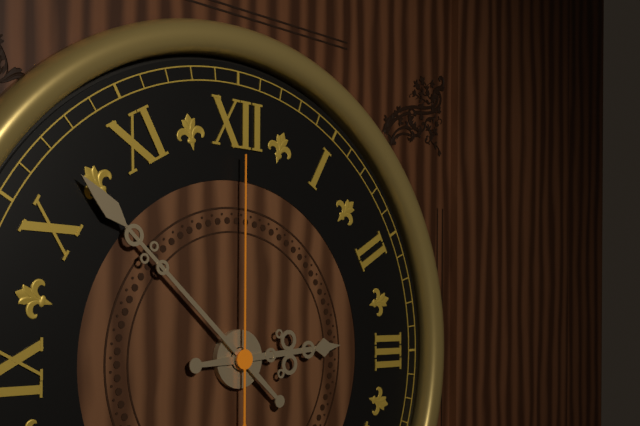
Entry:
h=2 m=52 s=0
